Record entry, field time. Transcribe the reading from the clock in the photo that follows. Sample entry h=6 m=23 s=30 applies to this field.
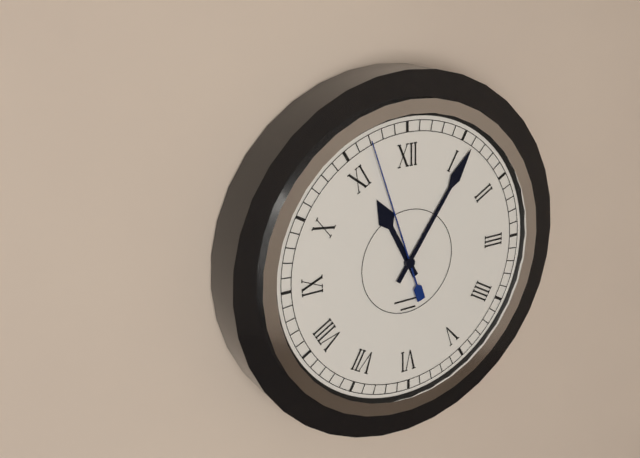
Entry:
h=11 m=6 s=57
